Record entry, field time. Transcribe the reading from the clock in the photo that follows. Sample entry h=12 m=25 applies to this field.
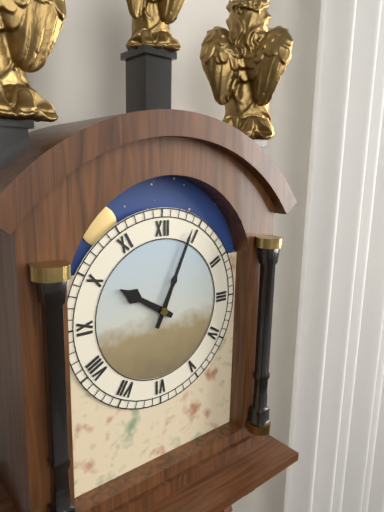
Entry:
h=10 m=4
